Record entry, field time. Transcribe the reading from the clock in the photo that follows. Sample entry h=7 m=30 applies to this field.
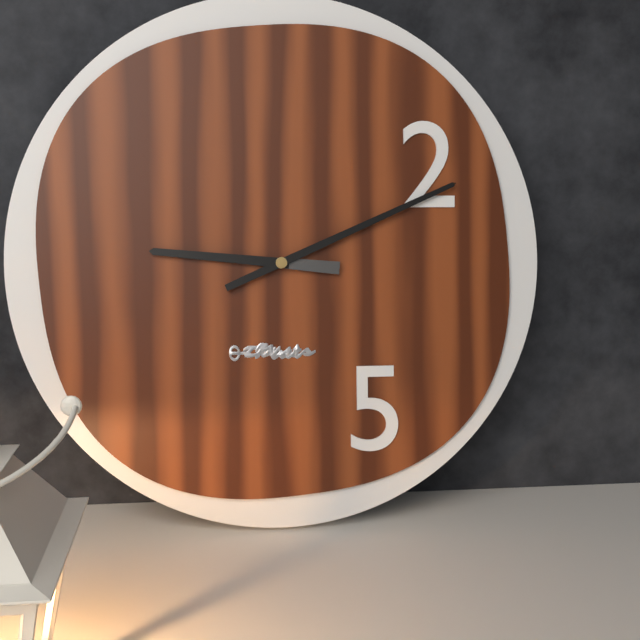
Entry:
h=9 m=11
